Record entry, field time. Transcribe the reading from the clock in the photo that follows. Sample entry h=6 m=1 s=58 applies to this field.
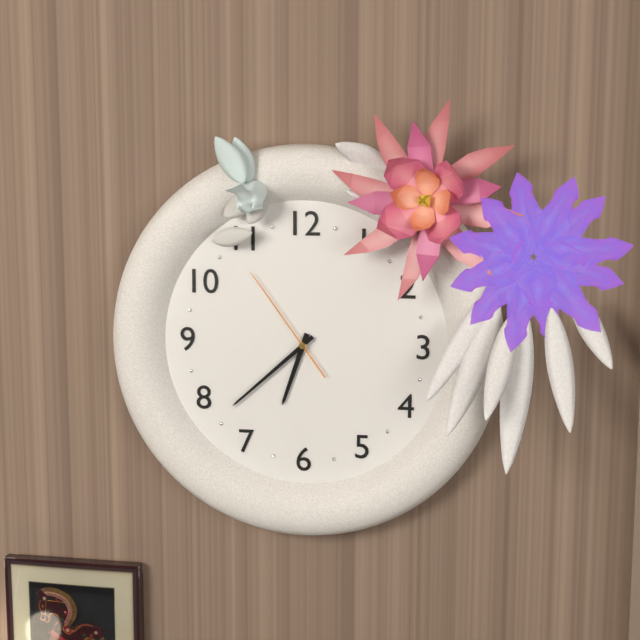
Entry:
h=6 m=38 s=54
